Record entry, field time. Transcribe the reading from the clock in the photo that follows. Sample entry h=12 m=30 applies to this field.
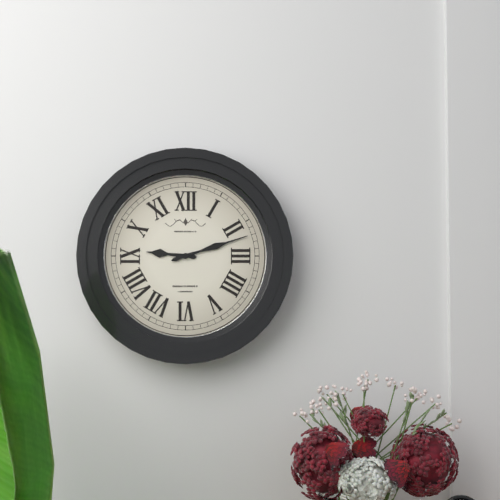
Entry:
h=9 m=12
